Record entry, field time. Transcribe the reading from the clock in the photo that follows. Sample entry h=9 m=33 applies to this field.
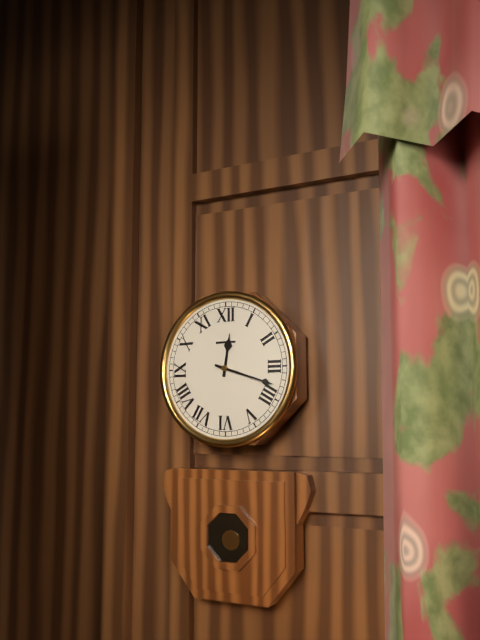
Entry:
h=12 m=18
